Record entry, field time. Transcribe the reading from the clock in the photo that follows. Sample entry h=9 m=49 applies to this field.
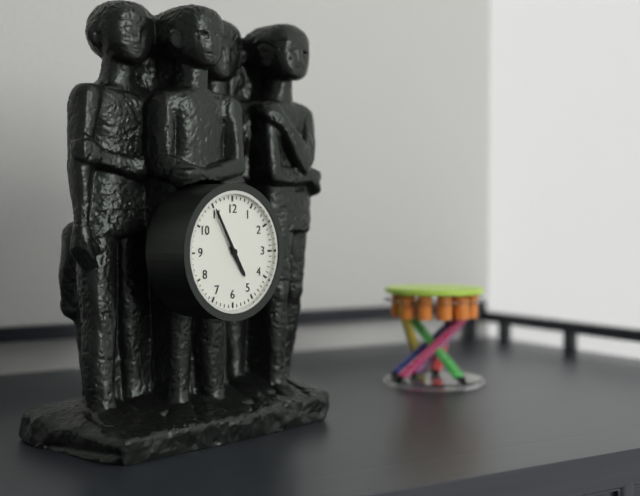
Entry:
h=4 m=55
